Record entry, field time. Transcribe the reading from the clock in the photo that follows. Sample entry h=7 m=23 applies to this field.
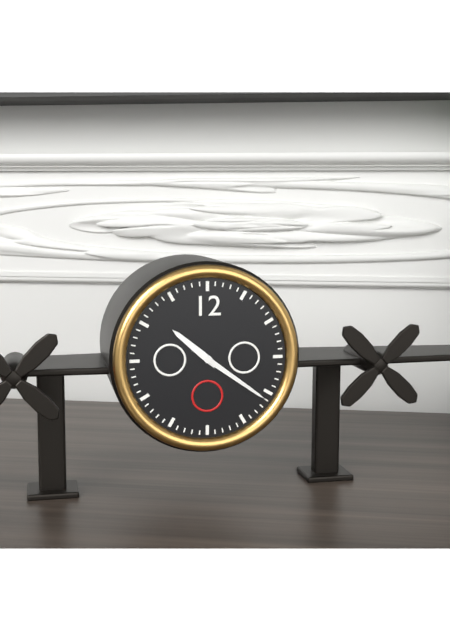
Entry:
h=10 m=21
